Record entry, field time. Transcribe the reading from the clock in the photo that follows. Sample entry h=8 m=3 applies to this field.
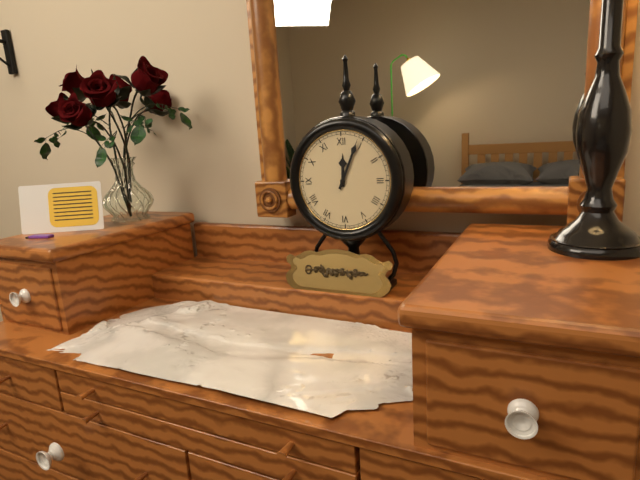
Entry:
h=12 m=4
